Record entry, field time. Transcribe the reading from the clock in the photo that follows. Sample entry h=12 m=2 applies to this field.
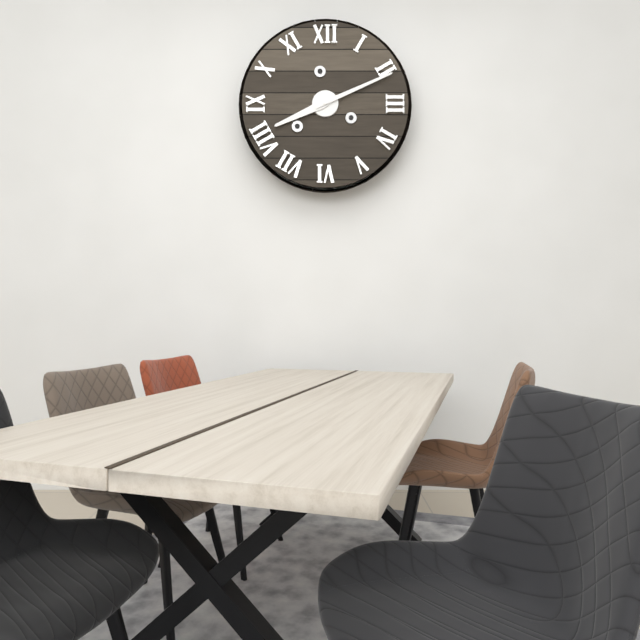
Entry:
h=8 m=11
